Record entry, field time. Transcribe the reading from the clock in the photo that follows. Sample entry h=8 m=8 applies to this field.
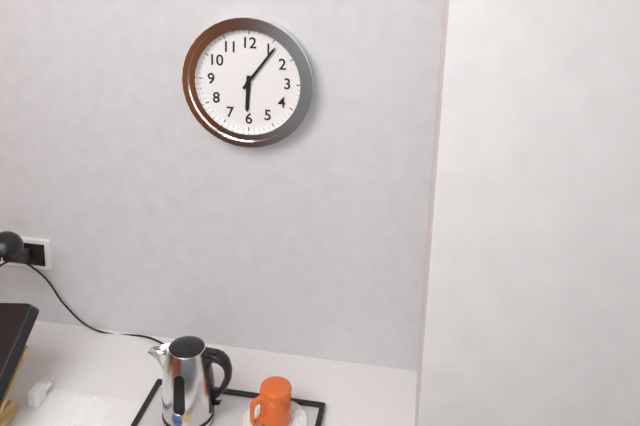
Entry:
h=6 m=6
